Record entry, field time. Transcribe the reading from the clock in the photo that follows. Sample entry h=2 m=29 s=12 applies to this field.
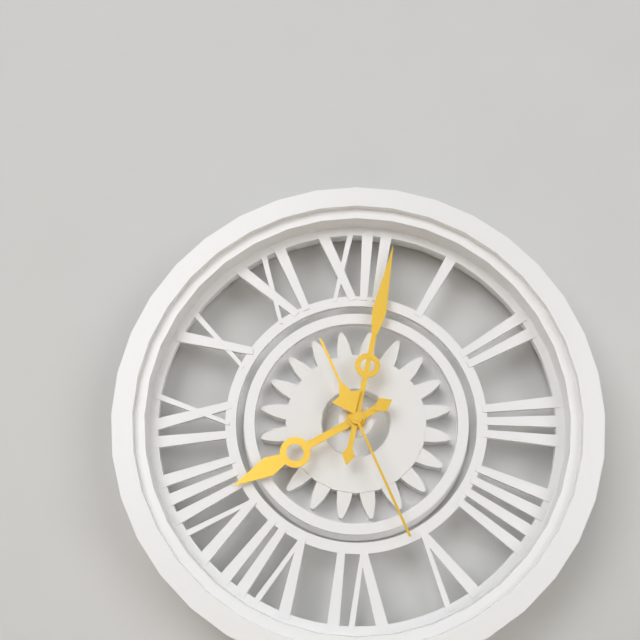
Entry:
h=8 m=2 s=26
